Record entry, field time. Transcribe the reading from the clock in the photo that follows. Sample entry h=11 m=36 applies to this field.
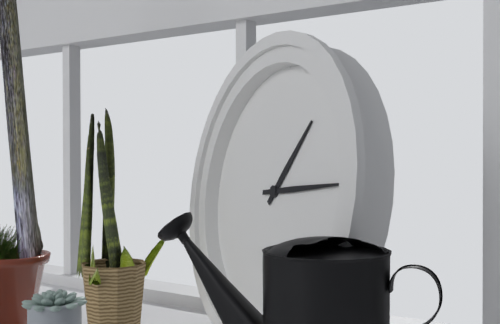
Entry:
h=1 m=14
